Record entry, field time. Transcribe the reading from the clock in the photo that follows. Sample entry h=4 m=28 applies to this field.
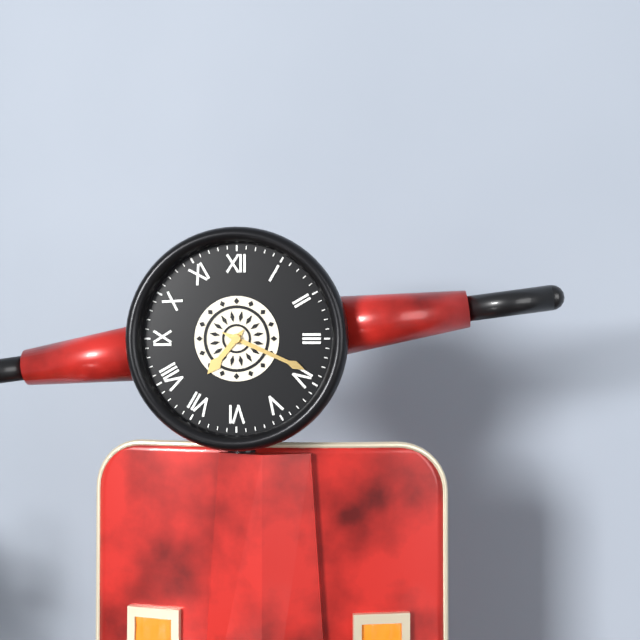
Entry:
h=7 m=19
